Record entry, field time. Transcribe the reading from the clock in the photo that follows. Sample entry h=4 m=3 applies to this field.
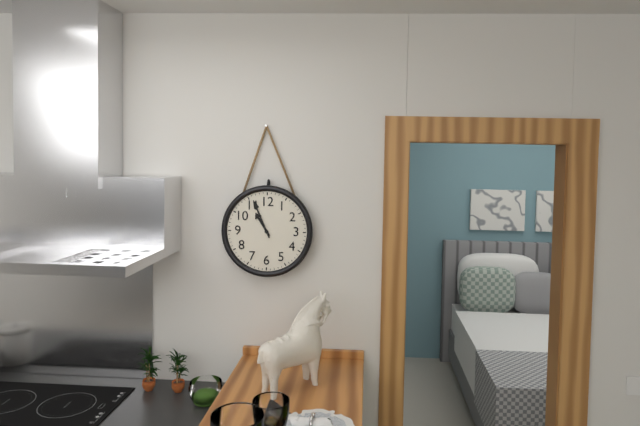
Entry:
h=10 m=56
